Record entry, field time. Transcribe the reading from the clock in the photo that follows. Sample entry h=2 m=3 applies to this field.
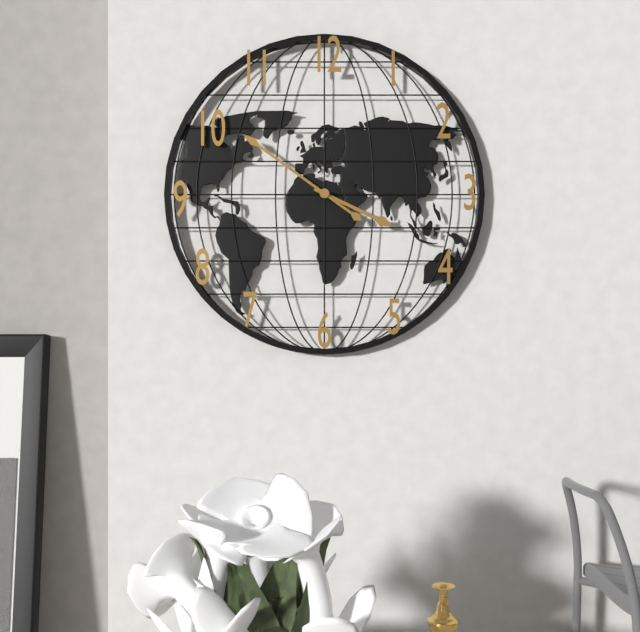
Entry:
h=3 m=51
